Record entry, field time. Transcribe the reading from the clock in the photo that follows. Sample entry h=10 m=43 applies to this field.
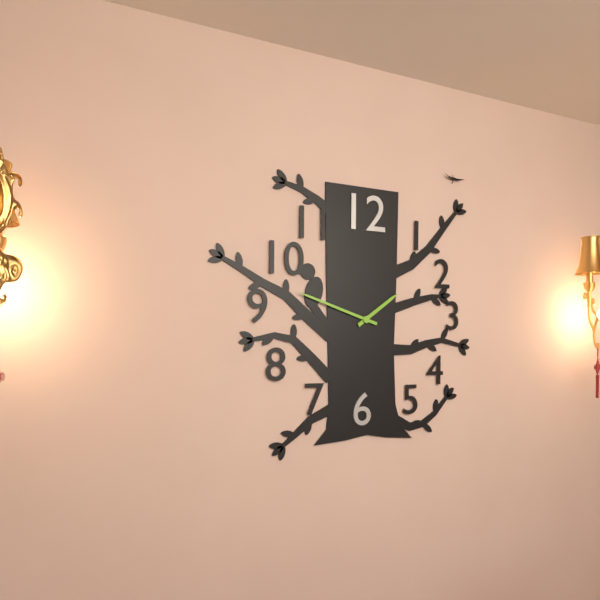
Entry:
h=1 m=48
